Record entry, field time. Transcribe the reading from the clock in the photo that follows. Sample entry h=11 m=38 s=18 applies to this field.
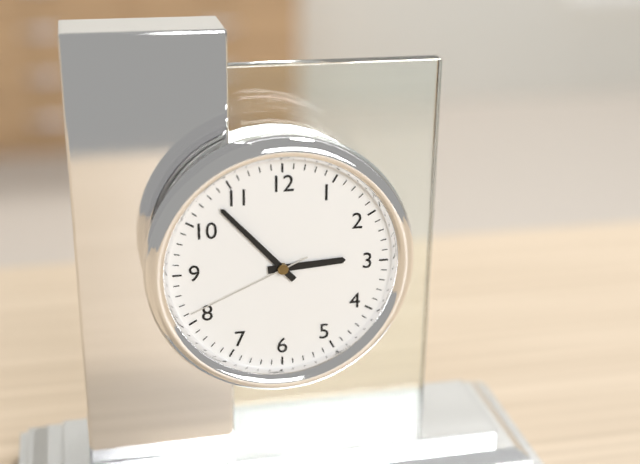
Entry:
h=2 m=53 s=41
